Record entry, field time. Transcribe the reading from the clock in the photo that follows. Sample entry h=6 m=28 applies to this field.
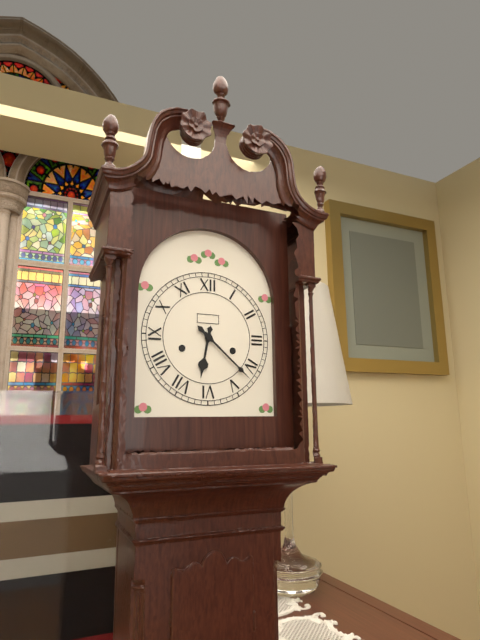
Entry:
h=6 m=22
